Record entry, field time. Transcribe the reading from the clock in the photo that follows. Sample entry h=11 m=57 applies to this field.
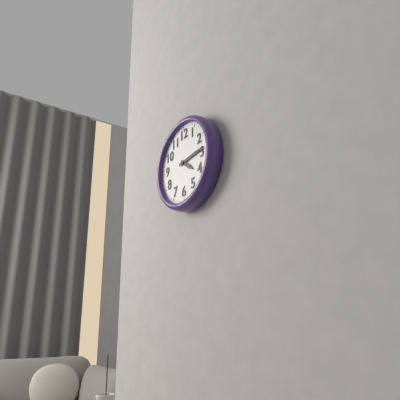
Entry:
h=4 m=14
